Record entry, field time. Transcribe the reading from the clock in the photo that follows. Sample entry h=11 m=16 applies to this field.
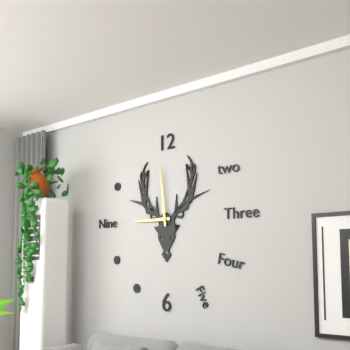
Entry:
h=8 m=59
